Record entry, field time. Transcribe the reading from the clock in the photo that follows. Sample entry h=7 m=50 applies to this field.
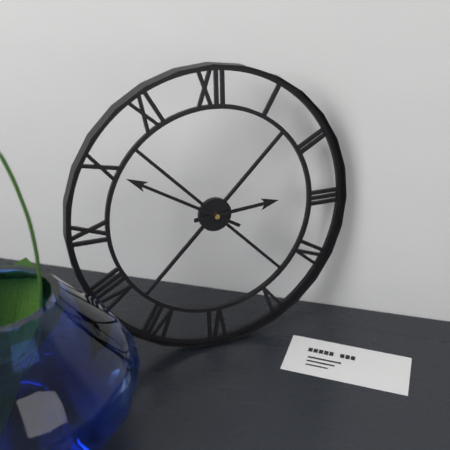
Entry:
h=2 m=50
